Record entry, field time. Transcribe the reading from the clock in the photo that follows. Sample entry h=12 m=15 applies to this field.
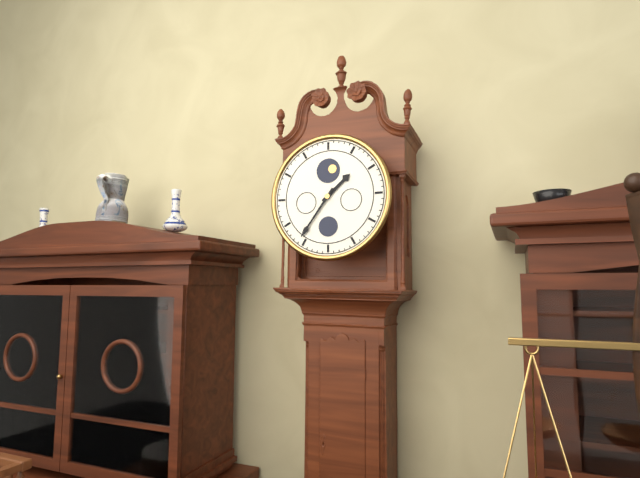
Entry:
h=1 m=36
